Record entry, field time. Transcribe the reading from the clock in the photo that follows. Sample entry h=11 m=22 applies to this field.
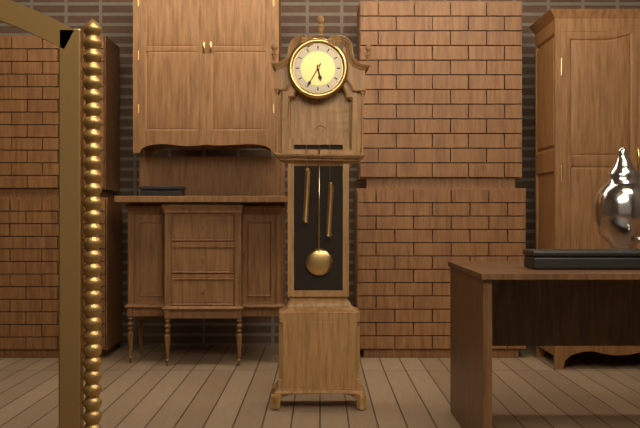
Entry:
h=5 m=35
